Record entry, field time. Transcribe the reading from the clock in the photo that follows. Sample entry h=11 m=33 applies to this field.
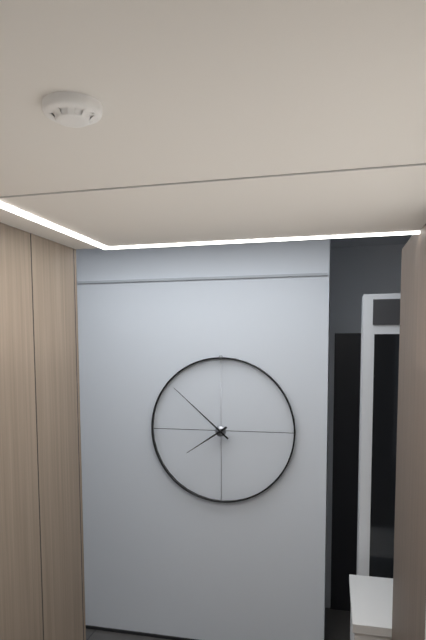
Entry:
h=7 m=52
